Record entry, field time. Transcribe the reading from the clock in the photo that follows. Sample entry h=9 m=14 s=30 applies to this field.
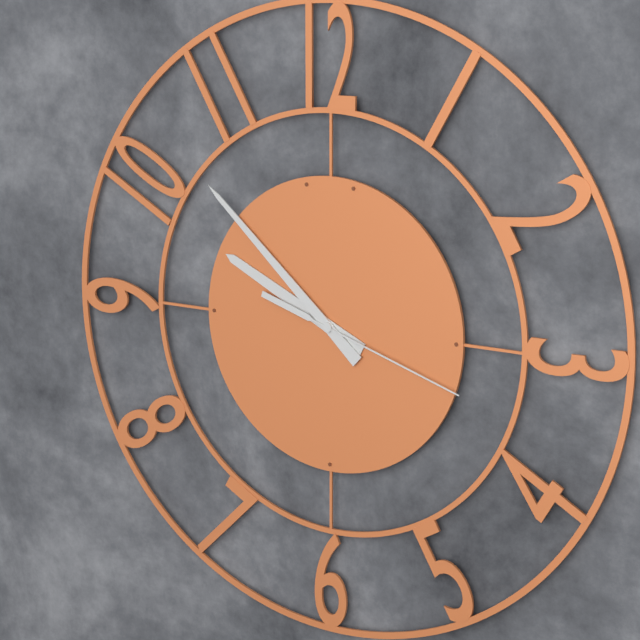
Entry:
h=9 m=52 s=18
